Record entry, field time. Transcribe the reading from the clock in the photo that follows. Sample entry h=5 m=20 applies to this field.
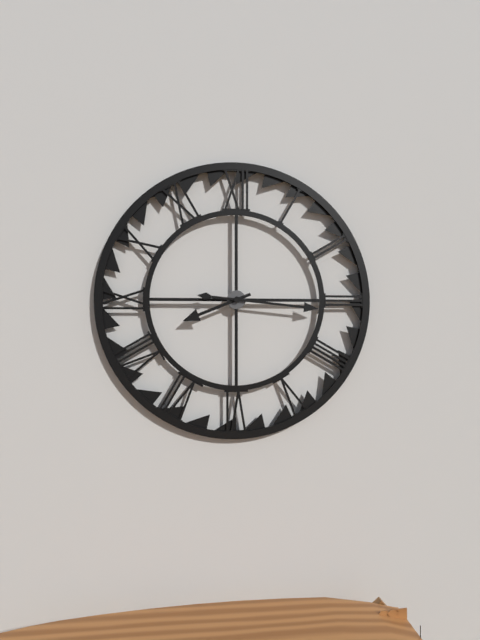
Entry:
h=8 m=16
